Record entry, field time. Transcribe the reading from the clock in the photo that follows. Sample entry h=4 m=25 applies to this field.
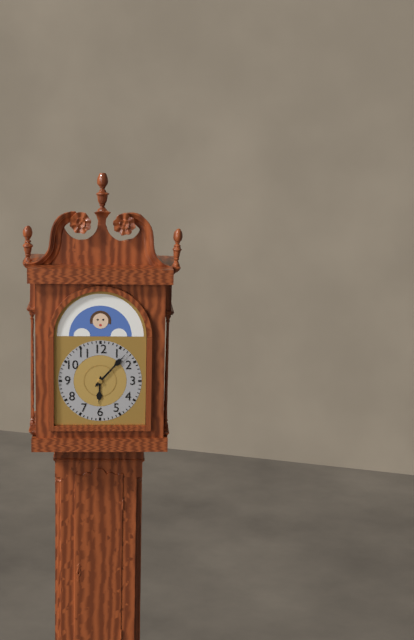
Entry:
h=6 m=7
